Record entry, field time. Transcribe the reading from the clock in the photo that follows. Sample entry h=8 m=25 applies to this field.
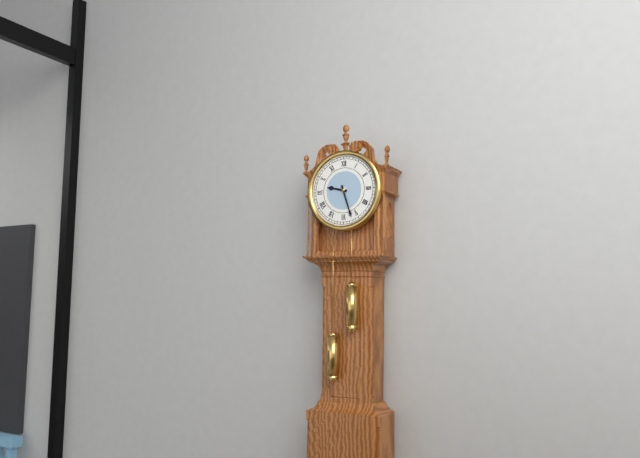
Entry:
h=9 m=27
